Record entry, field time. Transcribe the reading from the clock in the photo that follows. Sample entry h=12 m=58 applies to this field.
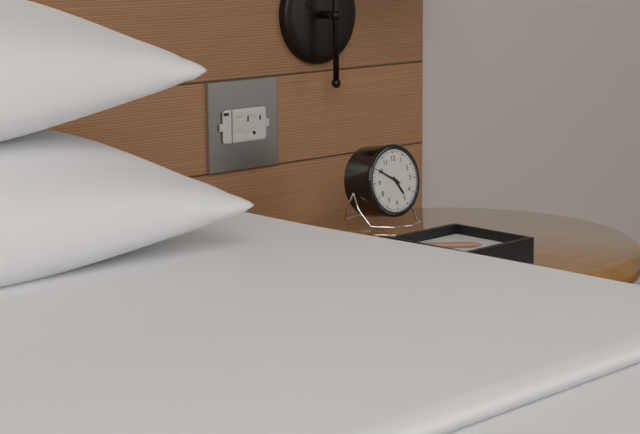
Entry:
h=4 m=50
